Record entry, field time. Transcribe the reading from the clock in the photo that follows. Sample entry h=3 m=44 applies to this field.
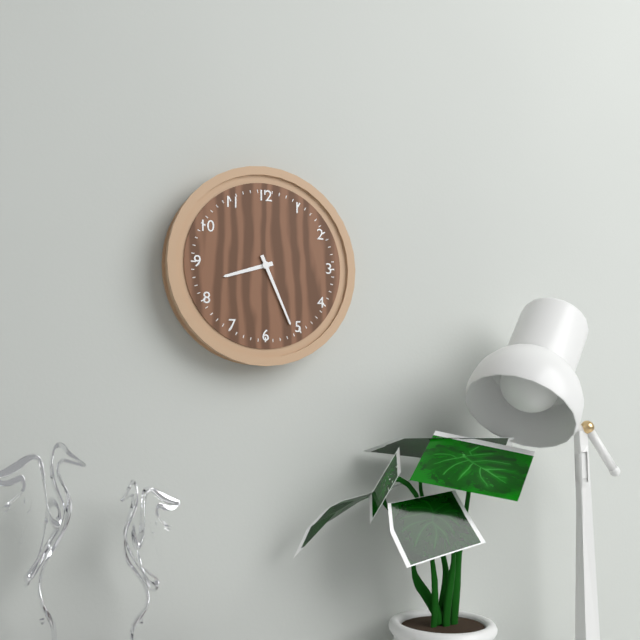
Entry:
h=8 m=26
